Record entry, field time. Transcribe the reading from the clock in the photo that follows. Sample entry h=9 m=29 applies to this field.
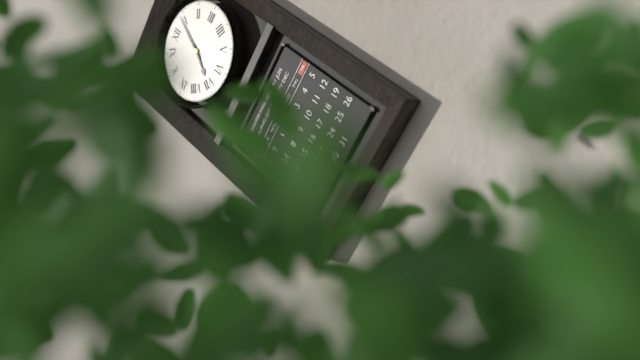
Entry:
h=7 m=4
